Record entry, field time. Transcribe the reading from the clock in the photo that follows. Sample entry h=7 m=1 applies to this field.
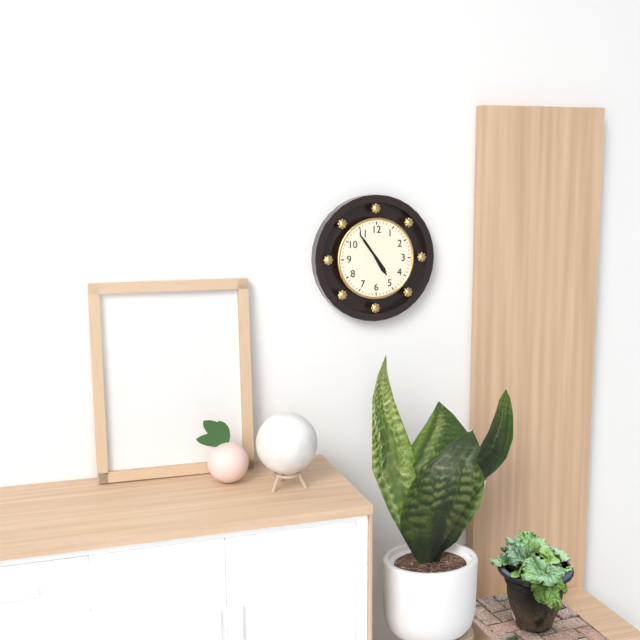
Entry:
h=4 m=54
